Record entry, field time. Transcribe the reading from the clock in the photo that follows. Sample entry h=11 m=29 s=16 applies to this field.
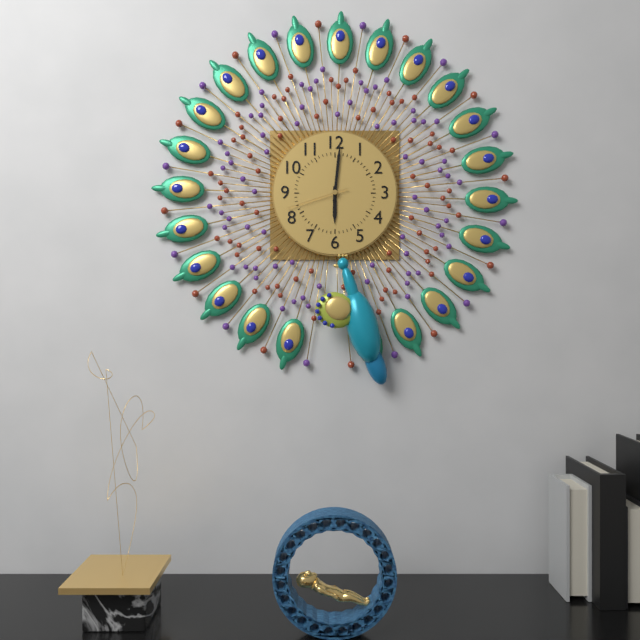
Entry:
h=6 m=1 s=42
